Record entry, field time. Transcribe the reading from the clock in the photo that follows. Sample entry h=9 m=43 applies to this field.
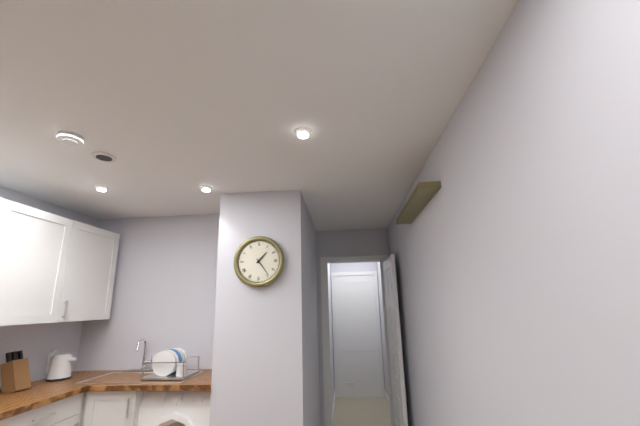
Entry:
h=1 m=24
